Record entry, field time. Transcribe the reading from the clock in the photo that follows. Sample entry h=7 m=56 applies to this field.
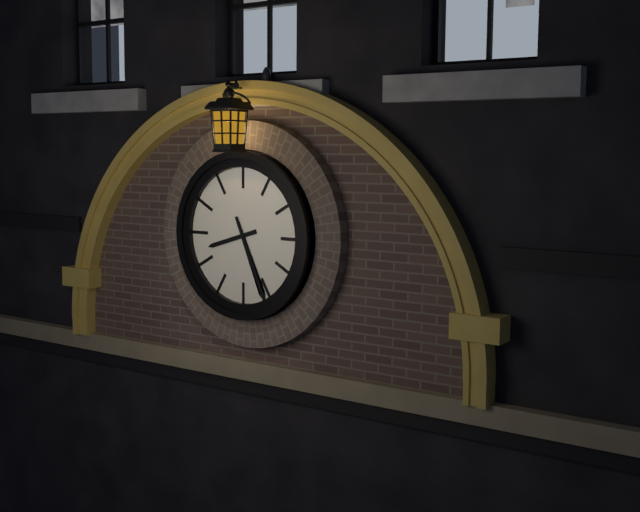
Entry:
h=8 m=26
